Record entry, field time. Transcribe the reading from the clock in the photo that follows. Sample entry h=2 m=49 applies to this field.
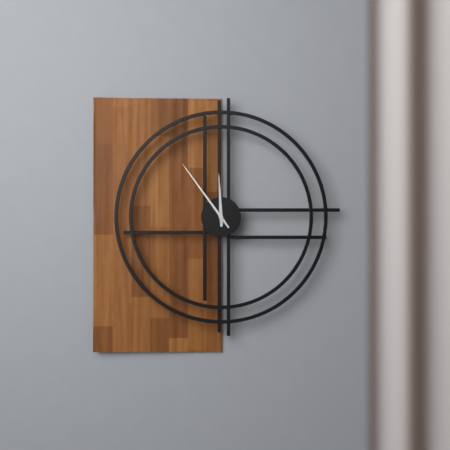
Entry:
h=11 m=54
